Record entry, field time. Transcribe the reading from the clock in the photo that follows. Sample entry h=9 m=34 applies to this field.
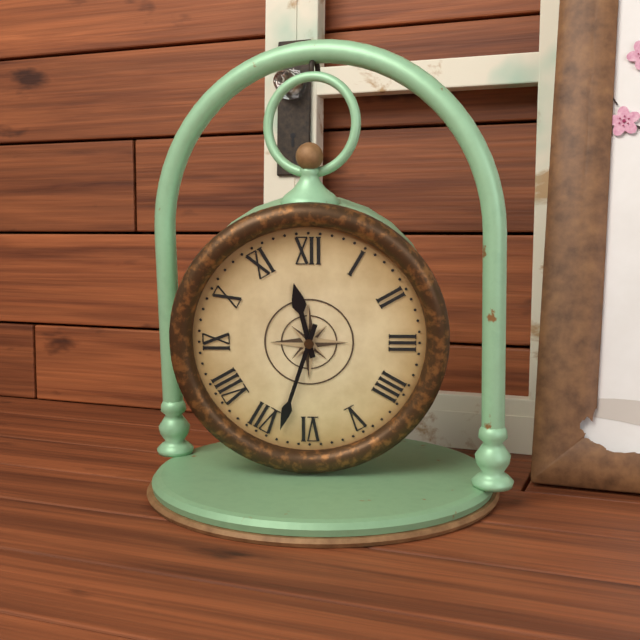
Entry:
h=11 m=33
